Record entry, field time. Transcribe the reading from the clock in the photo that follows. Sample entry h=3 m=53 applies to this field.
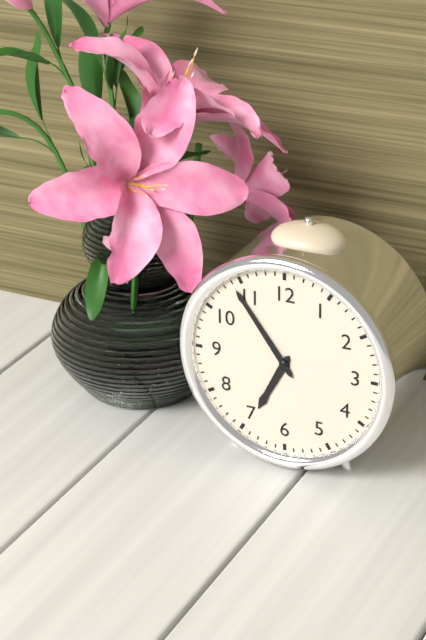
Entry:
h=6 m=54
